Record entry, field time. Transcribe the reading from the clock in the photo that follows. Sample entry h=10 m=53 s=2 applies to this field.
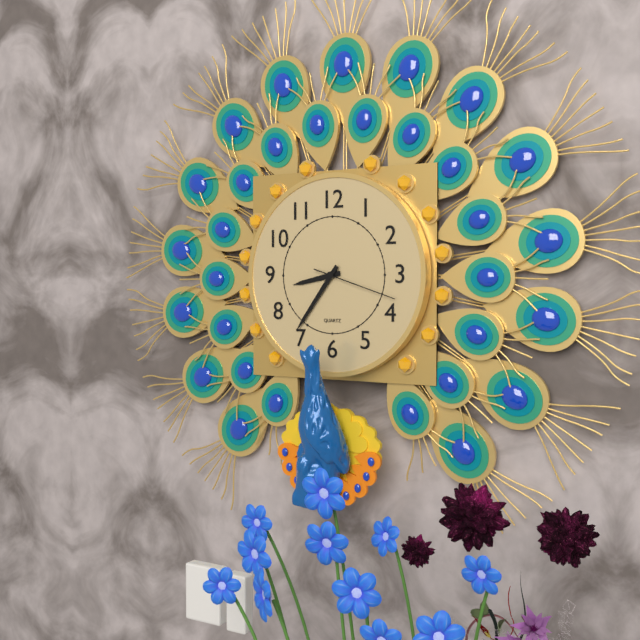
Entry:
h=8 m=36 s=18
